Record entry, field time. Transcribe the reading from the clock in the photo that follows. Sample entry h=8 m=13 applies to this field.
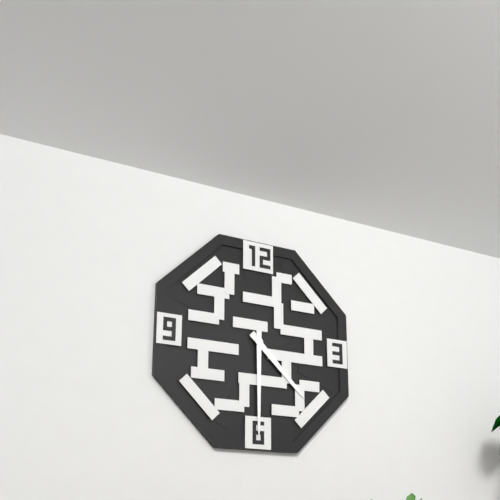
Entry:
h=4 m=30
